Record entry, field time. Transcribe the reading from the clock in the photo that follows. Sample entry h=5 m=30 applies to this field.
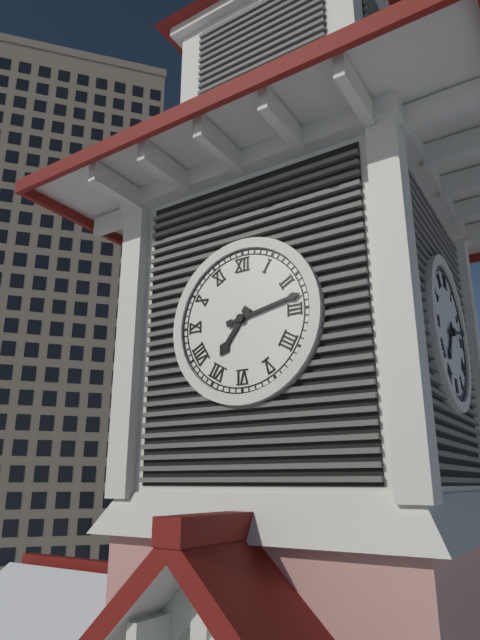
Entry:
h=7 m=13
